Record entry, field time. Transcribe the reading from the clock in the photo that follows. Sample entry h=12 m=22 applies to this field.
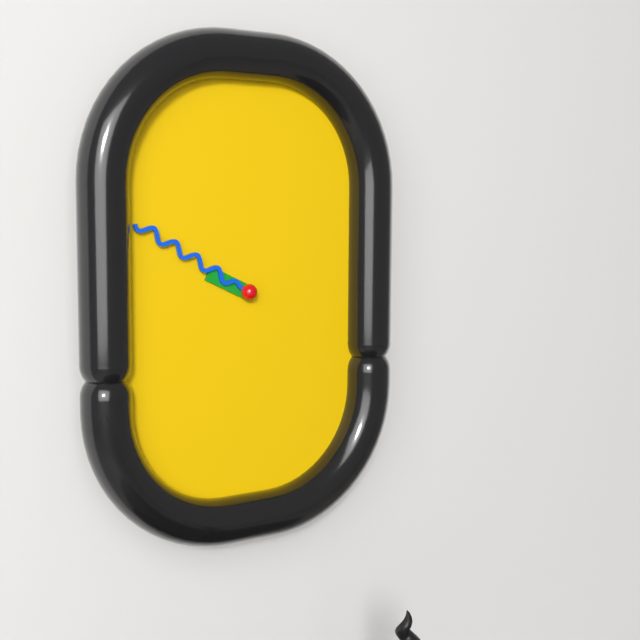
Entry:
h=9 m=50
